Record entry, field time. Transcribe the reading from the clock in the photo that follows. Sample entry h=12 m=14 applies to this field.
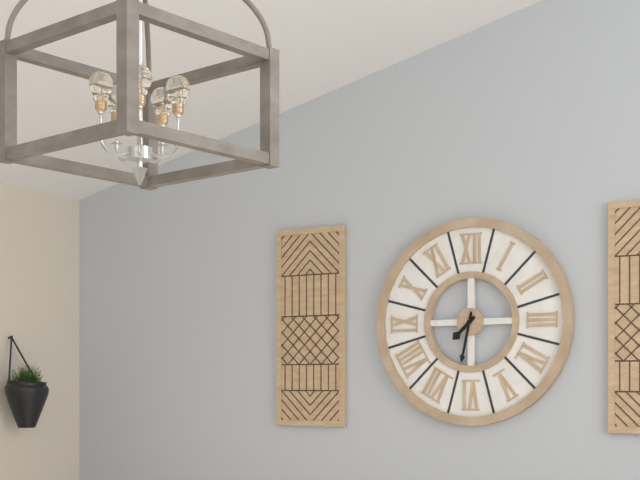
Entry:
h=7 m=32
